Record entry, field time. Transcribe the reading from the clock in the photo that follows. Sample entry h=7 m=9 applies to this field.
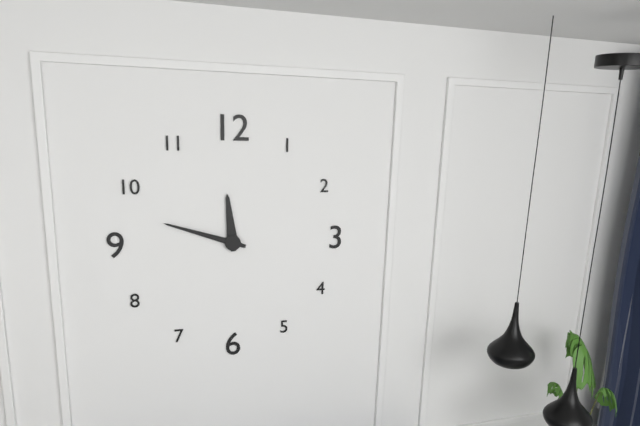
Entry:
h=11 m=48
